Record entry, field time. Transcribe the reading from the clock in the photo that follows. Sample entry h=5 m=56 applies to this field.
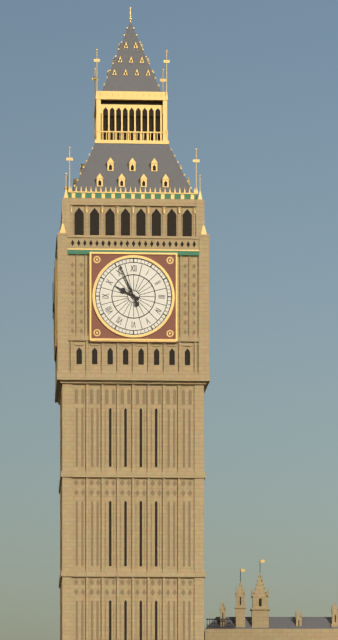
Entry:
h=9 m=56
